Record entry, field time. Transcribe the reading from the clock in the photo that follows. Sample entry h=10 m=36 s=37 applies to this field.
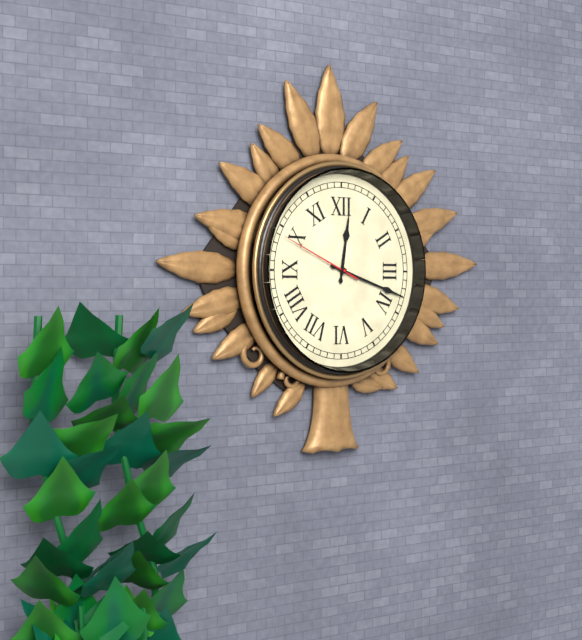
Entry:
h=12 m=18 s=49
